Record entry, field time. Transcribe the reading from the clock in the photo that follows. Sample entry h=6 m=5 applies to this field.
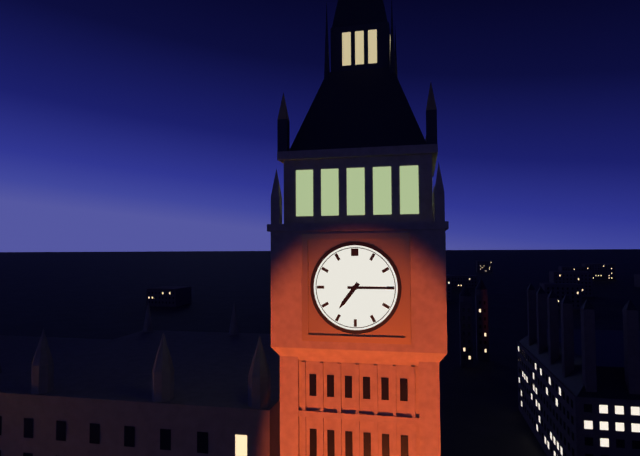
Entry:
h=7 m=15
